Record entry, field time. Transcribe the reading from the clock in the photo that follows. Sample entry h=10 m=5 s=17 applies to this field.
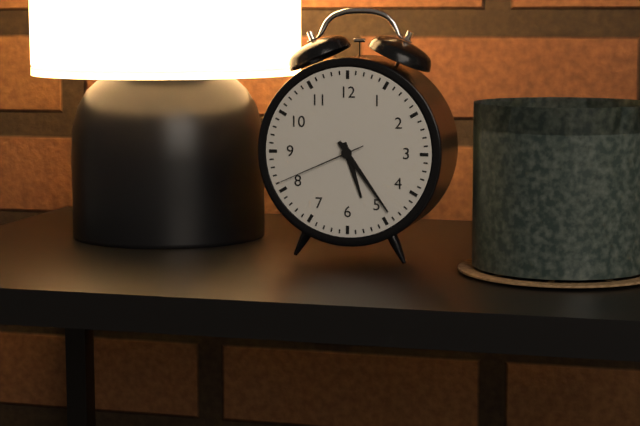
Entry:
h=5 m=24 s=41
